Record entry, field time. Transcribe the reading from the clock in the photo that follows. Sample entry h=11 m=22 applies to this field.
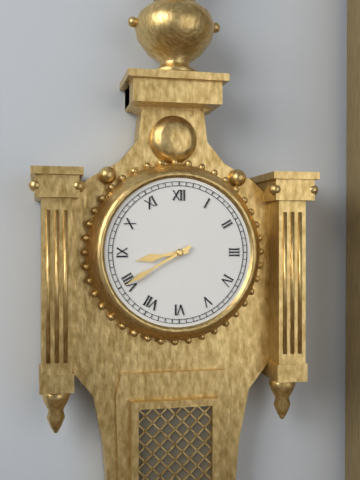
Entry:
h=8 m=40
